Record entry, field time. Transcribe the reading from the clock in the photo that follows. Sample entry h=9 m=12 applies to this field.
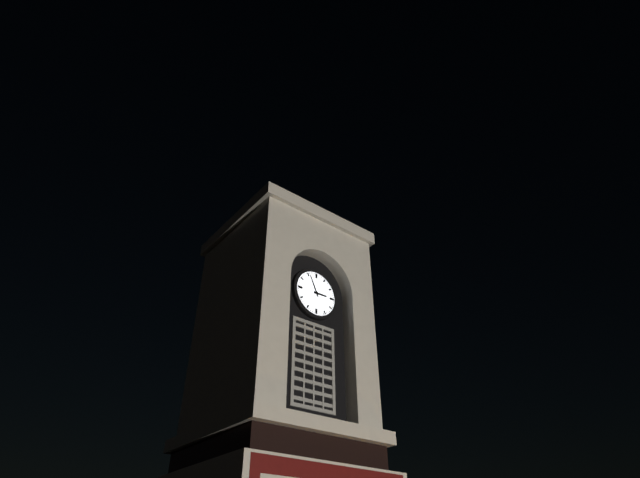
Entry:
h=2 m=56
